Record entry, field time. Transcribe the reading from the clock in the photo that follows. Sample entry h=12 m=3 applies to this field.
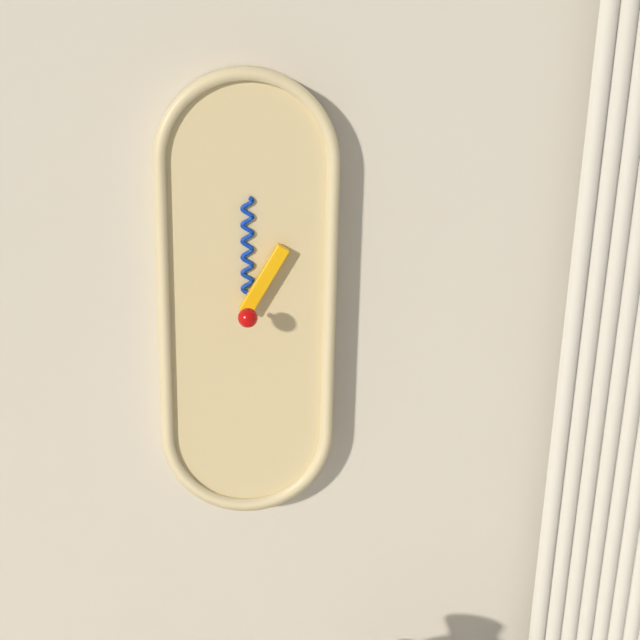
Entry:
h=1 m=0
